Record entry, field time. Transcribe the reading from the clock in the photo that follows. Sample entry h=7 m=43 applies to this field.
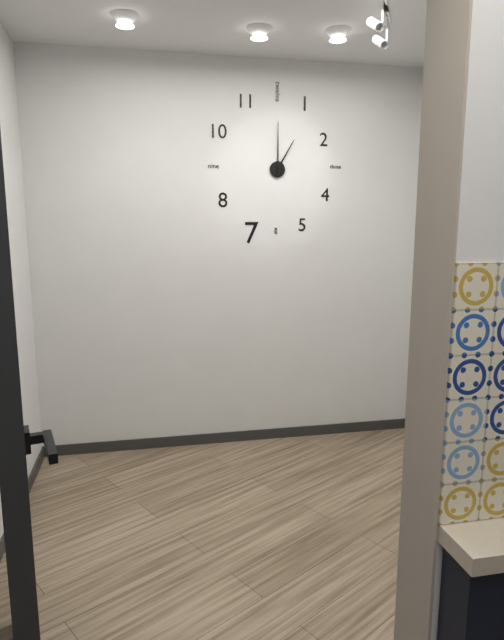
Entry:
h=1 m=0
